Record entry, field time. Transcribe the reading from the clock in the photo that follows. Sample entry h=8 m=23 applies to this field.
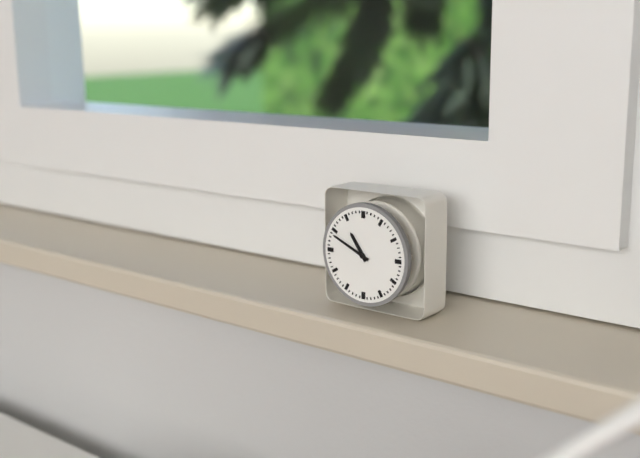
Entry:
h=10 m=49
